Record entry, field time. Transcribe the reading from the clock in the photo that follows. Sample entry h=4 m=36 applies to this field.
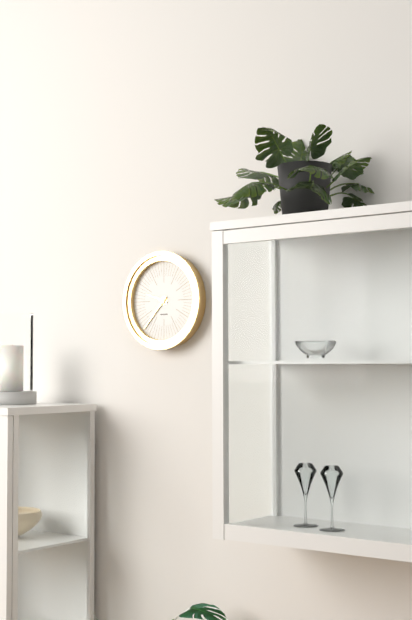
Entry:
h=9 m=37
